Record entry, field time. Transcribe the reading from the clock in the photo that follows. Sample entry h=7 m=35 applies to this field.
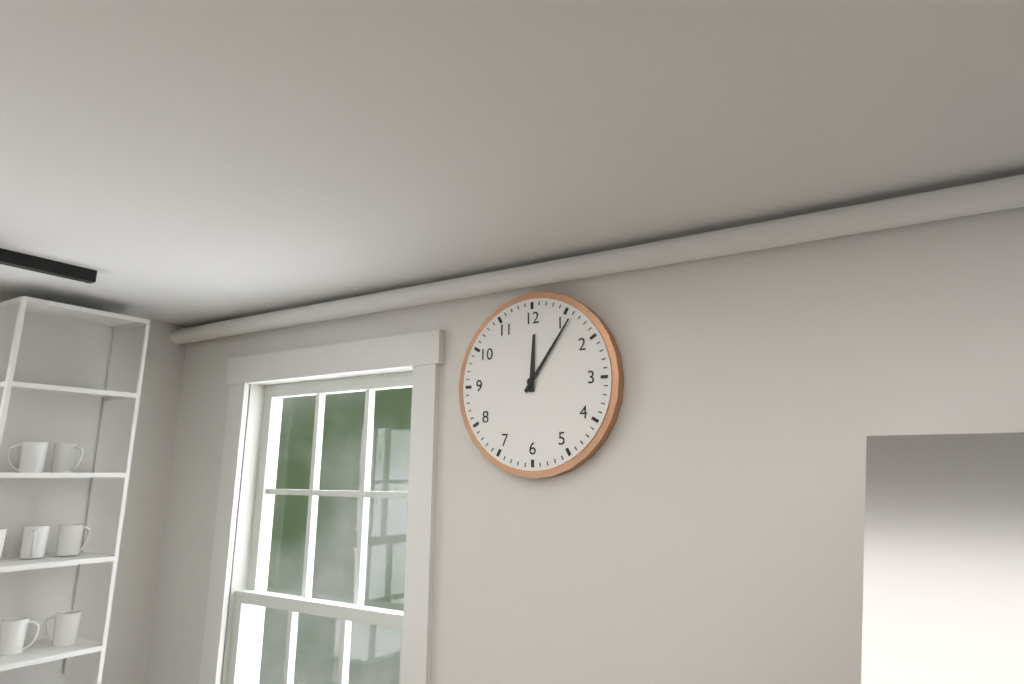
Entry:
h=12 m=6
